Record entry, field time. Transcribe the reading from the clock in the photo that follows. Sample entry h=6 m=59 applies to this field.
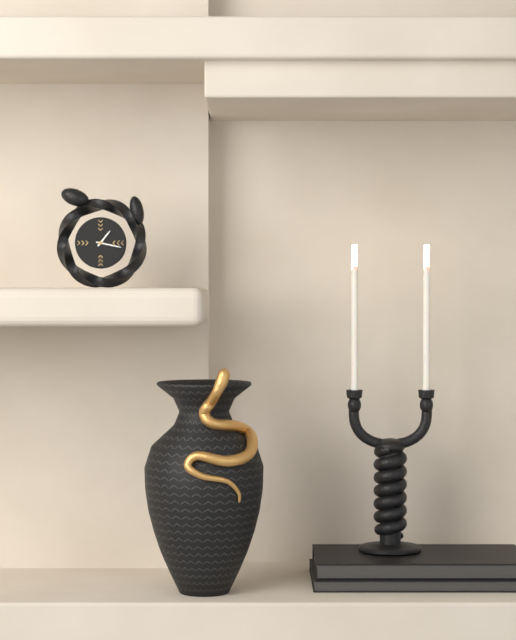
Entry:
h=1 m=17
